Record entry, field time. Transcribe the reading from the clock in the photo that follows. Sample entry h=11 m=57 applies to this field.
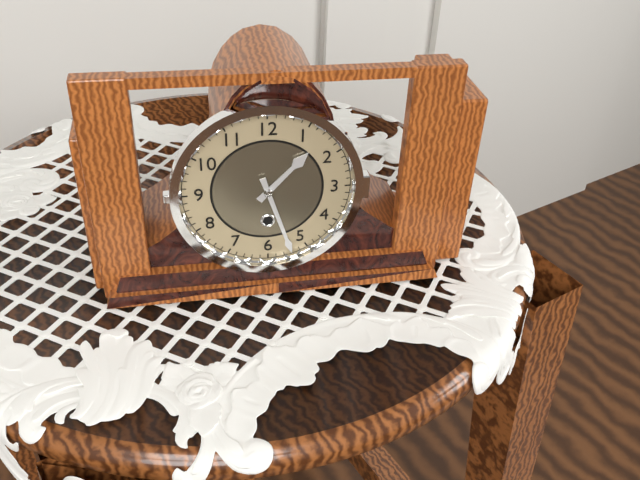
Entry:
h=1 m=27
